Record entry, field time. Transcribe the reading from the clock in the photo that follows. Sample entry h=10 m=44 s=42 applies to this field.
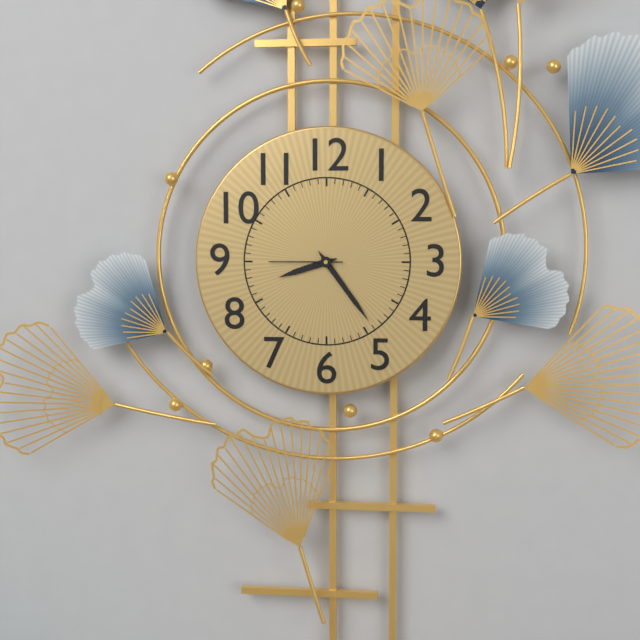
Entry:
h=8 m=24 s=45
